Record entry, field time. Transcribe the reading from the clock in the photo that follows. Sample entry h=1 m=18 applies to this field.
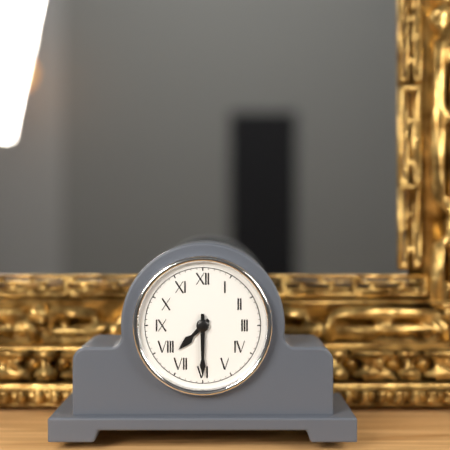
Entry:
h=7 m=30
